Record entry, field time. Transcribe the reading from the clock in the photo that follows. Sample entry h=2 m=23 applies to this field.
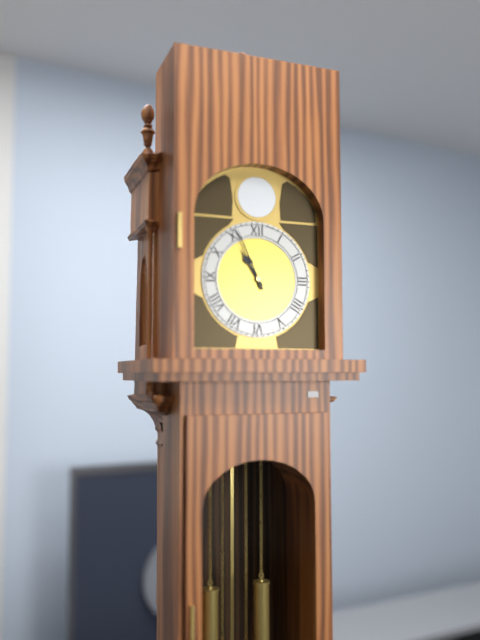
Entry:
h=10 m=56
